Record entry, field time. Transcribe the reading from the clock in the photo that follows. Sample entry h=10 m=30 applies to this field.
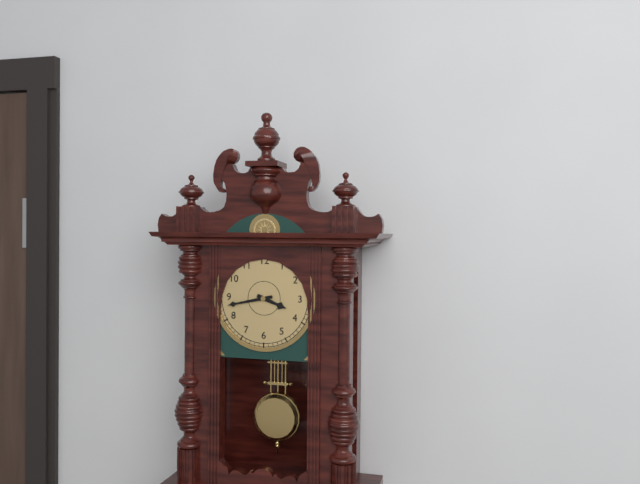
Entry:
h=3 m=43
